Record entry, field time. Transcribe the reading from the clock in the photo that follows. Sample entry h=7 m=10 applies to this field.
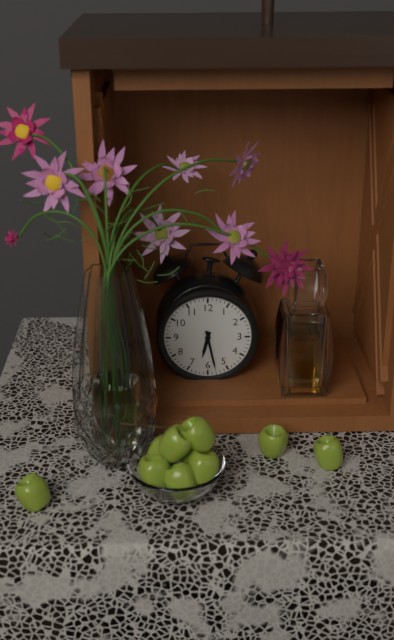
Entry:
h=6 m=28
